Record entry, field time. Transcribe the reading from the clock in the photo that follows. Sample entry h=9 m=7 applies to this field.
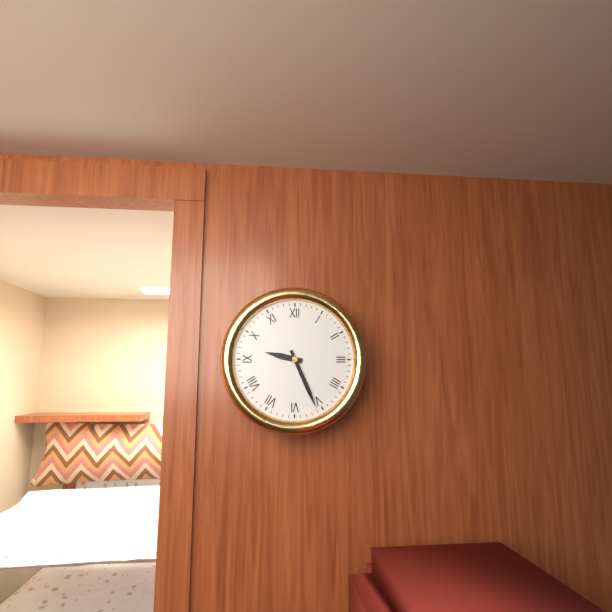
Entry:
h=9 m=26
